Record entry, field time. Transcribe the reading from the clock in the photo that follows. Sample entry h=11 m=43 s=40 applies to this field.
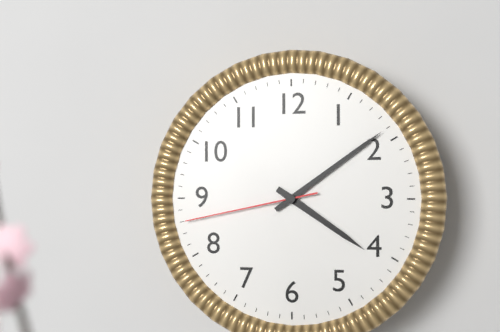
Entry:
h=4 m=9 s=43
